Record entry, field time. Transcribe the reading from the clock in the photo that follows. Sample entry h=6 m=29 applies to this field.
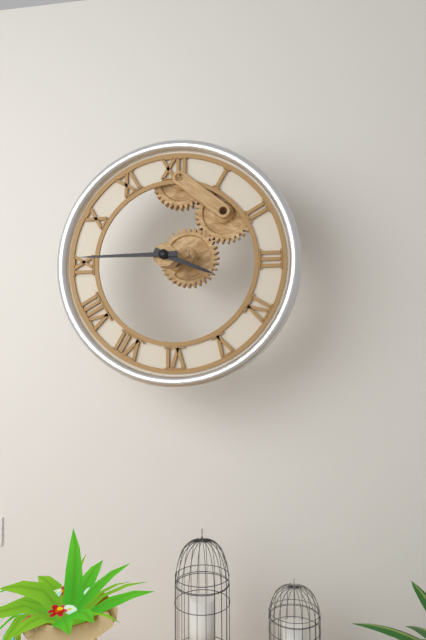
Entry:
h=3 m=45
